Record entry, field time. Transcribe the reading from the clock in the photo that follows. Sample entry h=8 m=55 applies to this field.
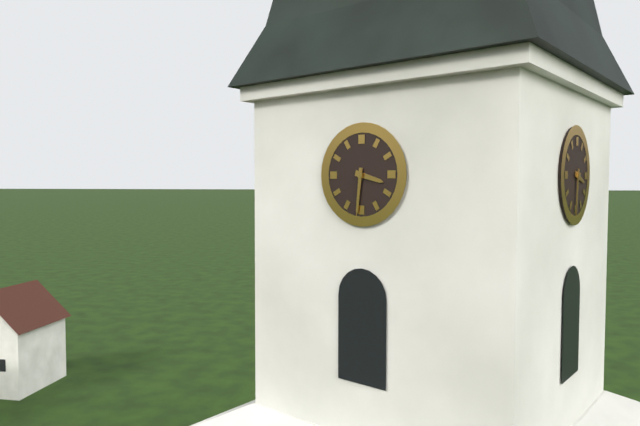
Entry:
h=3 m=31
